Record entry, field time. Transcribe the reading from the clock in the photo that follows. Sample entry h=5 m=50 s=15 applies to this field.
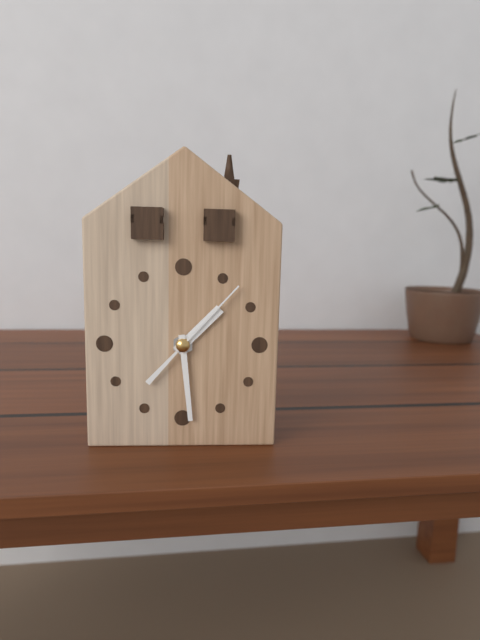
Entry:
h=1 m=29 s=7
